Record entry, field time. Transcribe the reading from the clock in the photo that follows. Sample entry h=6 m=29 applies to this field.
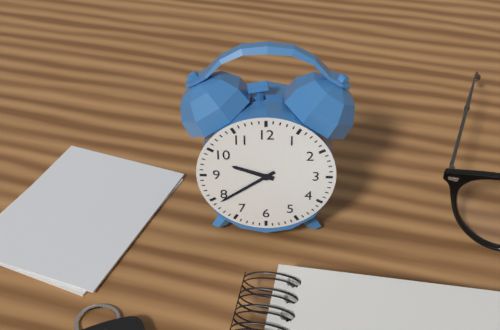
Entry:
h=9 m=39
